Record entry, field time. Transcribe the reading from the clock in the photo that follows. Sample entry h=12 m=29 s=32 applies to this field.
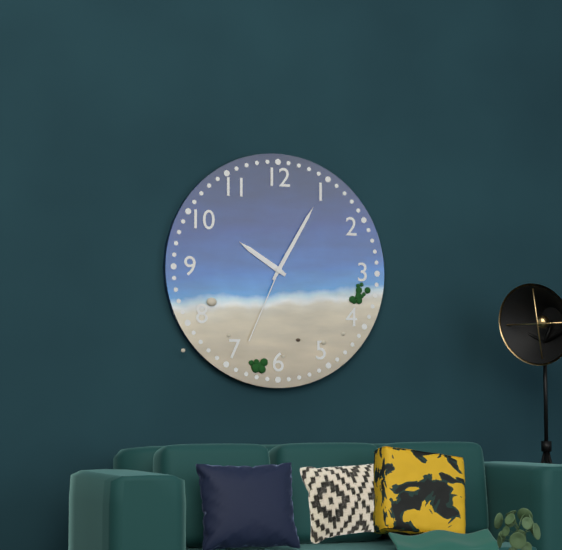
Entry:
h=10 m=5 s=34
